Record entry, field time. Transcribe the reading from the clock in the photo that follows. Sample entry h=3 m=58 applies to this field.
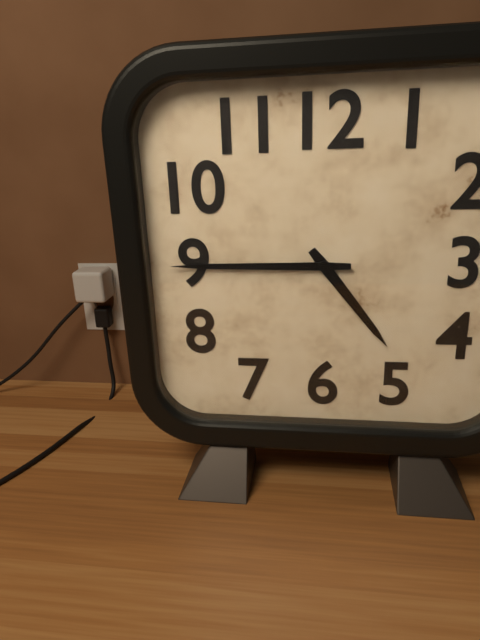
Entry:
h=4 m=45
